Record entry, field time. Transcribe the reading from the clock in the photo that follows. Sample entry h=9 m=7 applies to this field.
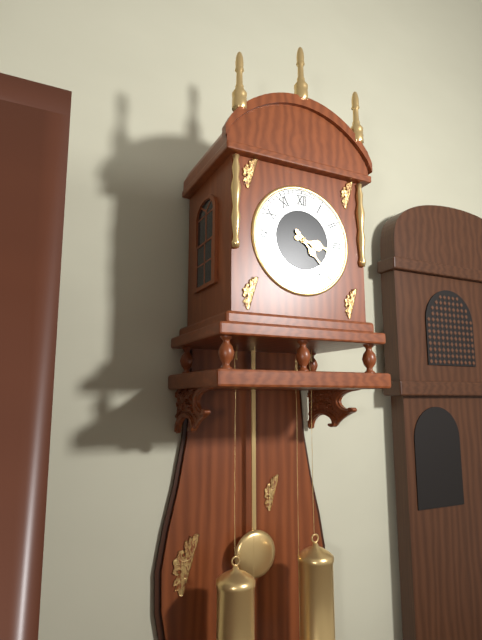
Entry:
h=3 m=23
